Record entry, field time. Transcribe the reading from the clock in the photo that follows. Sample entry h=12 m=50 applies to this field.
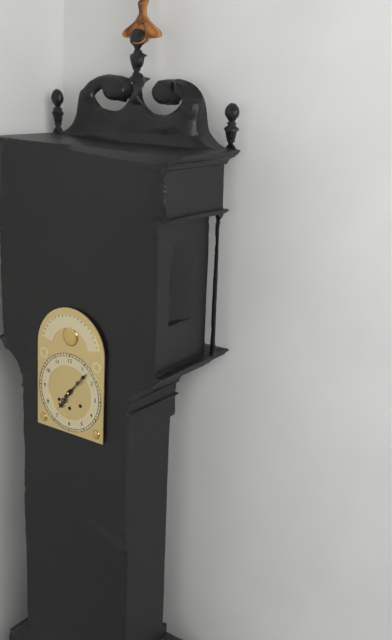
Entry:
h=7 m=7
